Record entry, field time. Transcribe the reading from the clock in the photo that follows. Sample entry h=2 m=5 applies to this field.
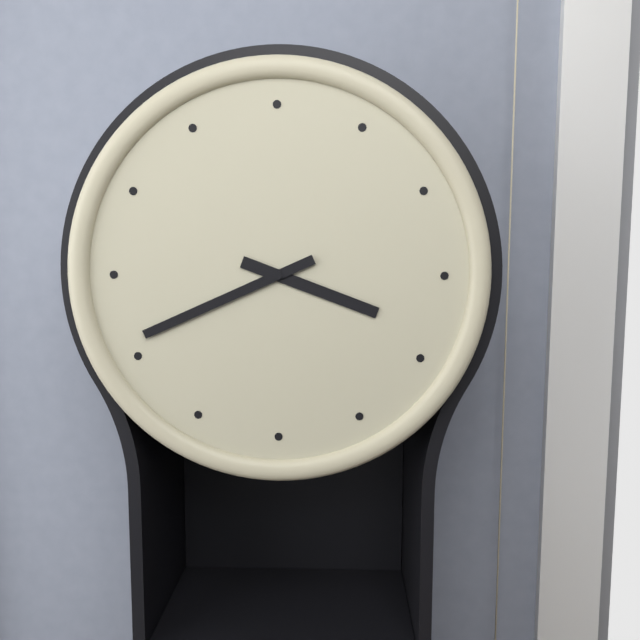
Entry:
h=3 m=41
